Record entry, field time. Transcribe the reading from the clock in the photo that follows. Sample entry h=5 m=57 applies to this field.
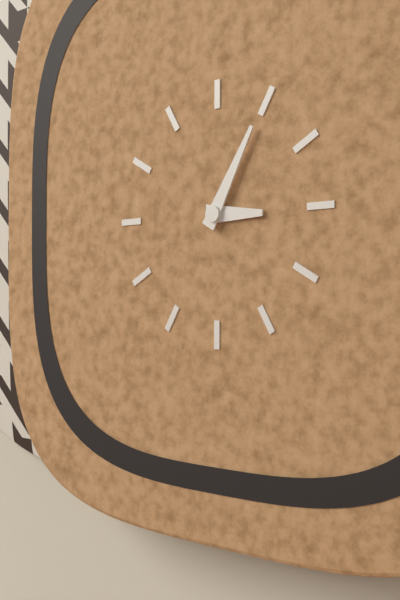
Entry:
h=3 m=5
